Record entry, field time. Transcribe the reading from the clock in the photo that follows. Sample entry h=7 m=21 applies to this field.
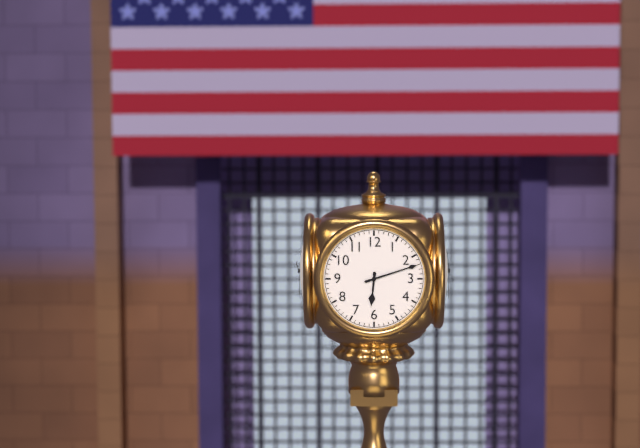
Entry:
h=6 m=12
